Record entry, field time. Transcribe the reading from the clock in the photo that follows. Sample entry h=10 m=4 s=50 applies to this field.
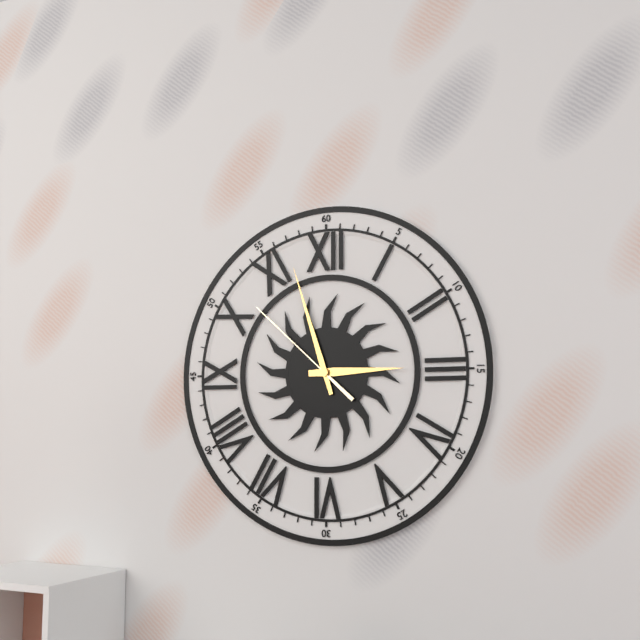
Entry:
h=2 m=57 s=52
